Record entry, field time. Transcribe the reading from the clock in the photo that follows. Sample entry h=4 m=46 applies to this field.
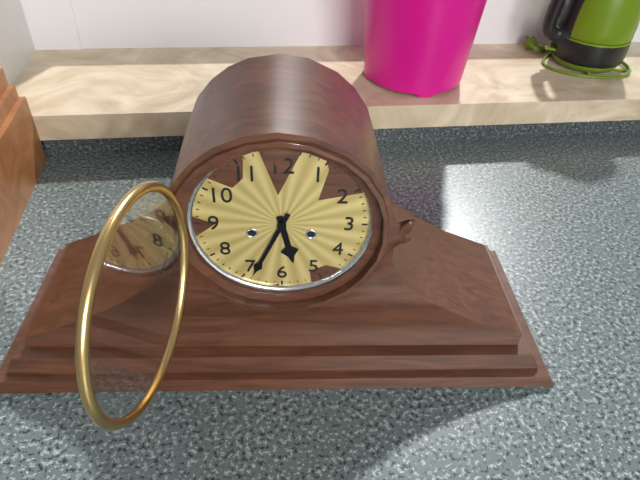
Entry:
h=5 m=34
